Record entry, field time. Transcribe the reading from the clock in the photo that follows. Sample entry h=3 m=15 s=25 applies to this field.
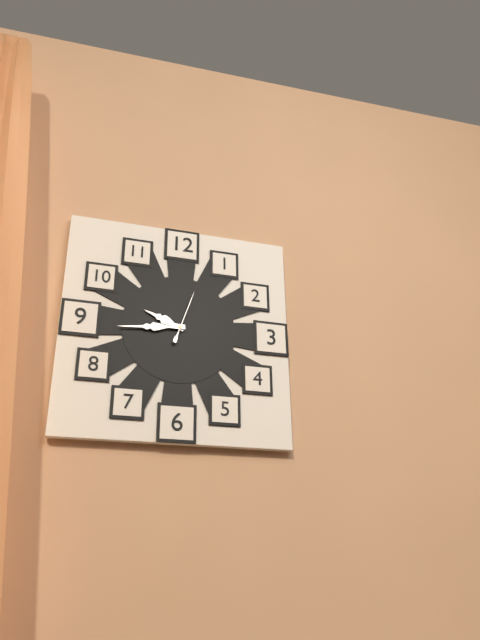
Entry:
h=9 m=44 s=3
